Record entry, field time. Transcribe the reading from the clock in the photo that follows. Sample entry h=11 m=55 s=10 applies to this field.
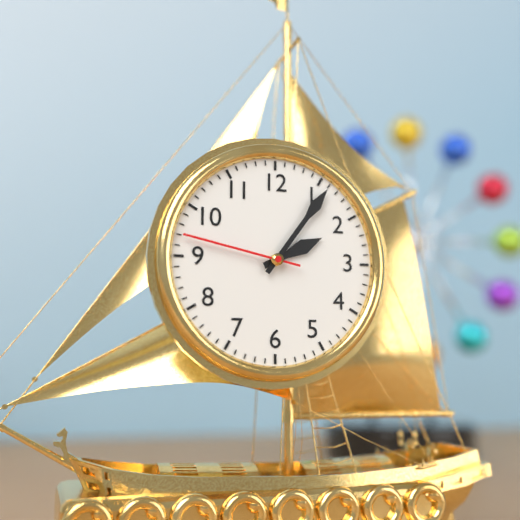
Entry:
h=2 m=6 s=47
